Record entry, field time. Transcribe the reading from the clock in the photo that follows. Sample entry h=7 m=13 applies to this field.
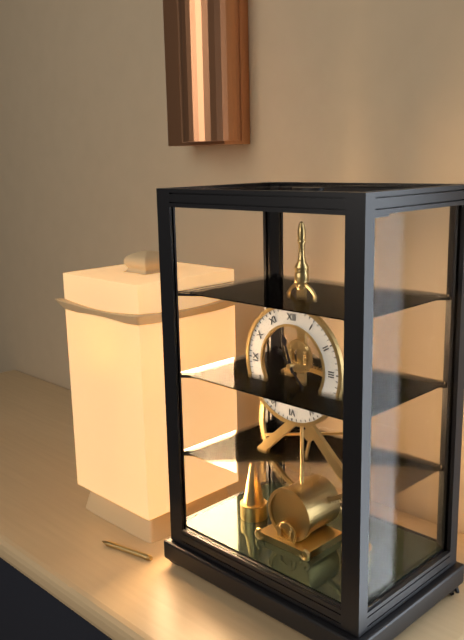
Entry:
h=11 m=23
